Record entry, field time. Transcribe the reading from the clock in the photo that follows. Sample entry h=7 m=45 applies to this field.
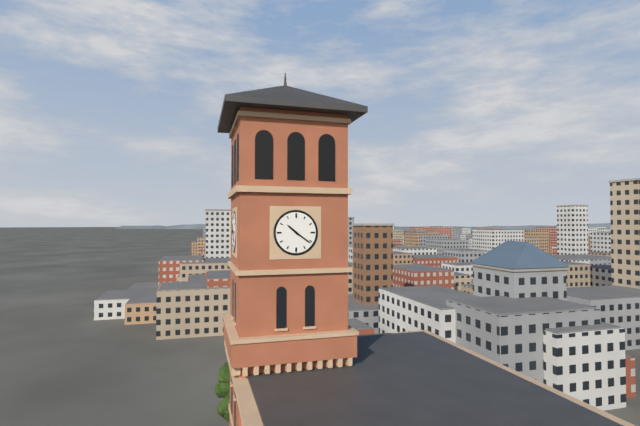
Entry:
h=10 m=21
